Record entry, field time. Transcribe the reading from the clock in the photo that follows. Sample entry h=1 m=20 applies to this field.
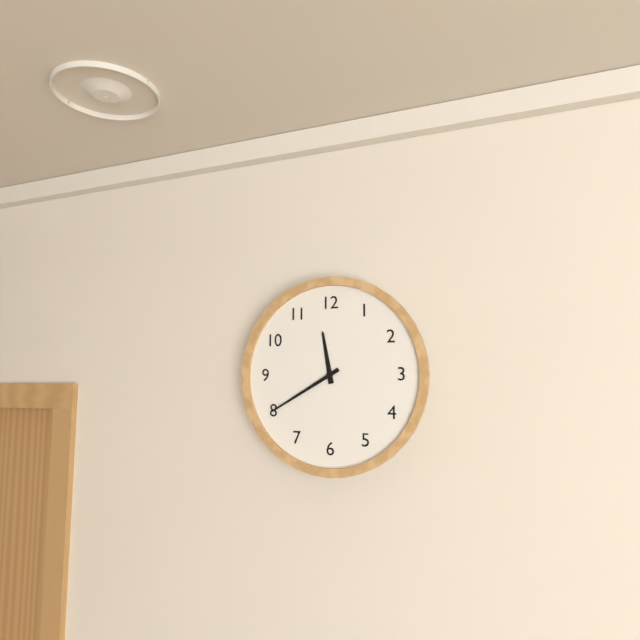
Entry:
h=11 m=40
